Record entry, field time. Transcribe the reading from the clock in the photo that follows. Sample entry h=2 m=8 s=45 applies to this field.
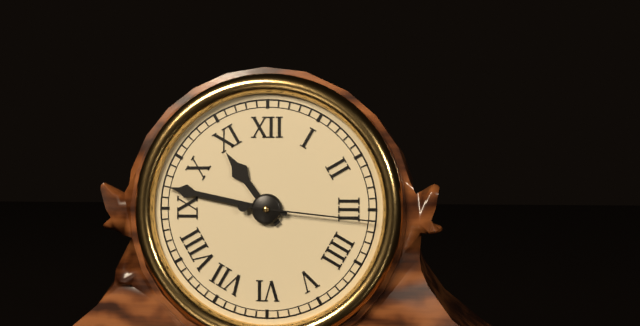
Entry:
h=10 m=47 s=16
